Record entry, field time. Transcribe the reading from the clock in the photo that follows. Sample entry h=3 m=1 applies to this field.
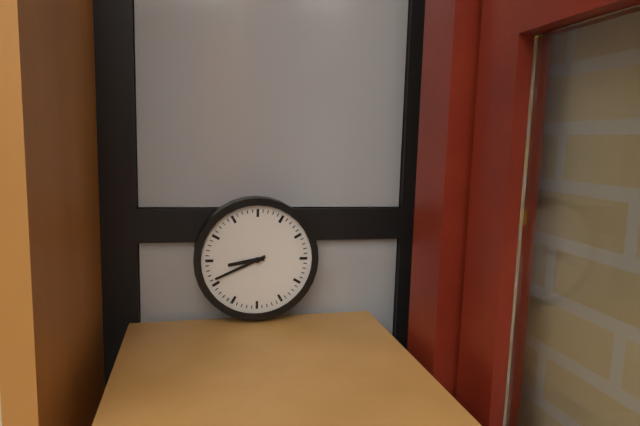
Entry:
h=8 m=41
